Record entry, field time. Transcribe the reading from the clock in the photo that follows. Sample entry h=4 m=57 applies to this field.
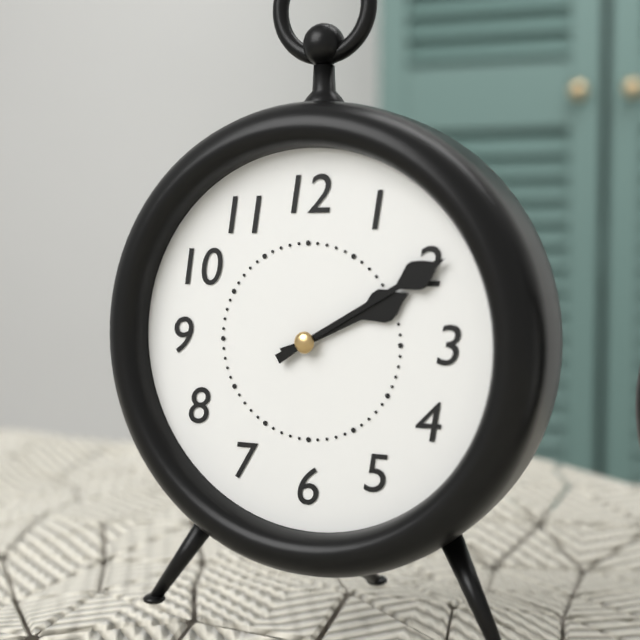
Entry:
h=2 m=10
